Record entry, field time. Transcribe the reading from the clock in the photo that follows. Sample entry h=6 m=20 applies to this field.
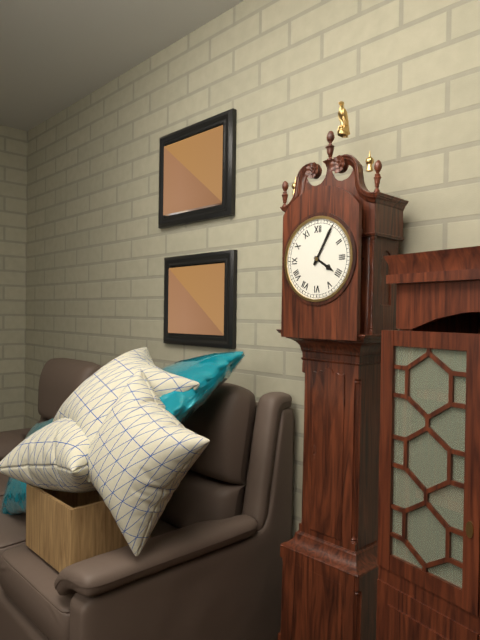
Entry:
h=4 m=5
